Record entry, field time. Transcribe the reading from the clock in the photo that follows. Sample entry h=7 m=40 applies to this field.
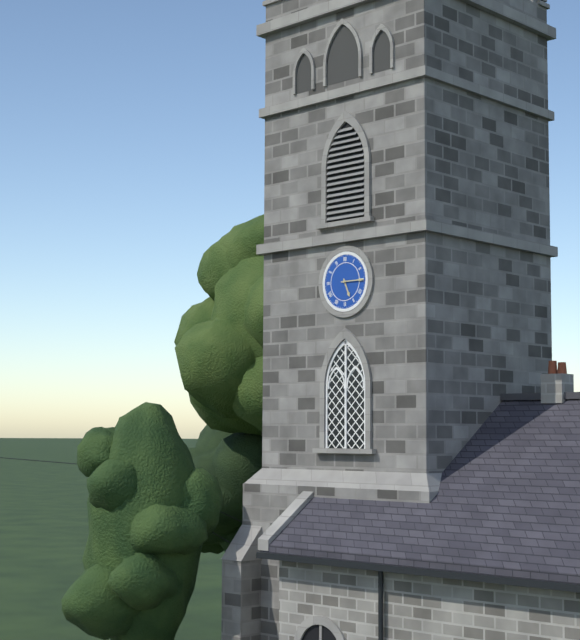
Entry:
h=5 m=15
